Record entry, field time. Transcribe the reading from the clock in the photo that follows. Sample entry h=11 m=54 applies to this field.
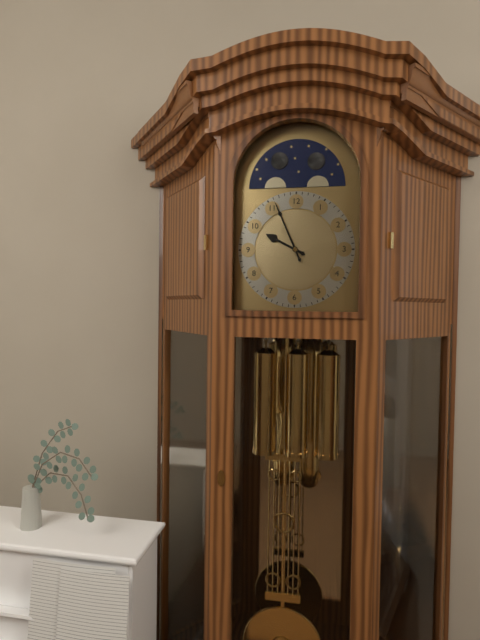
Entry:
h=9 m=56
